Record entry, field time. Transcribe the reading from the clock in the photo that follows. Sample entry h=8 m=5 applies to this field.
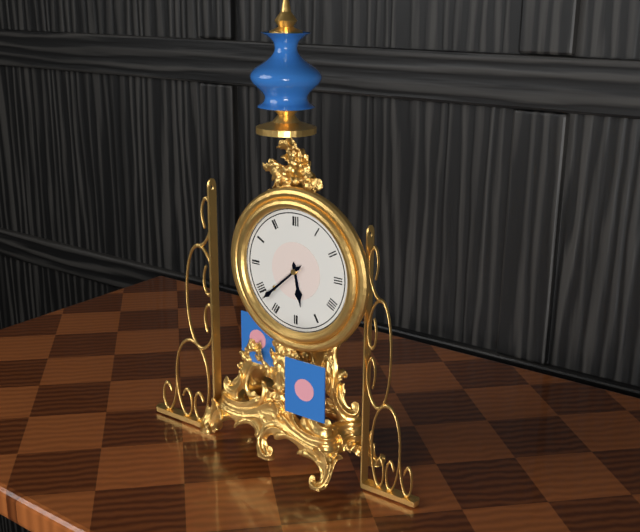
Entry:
h=5 m=38
